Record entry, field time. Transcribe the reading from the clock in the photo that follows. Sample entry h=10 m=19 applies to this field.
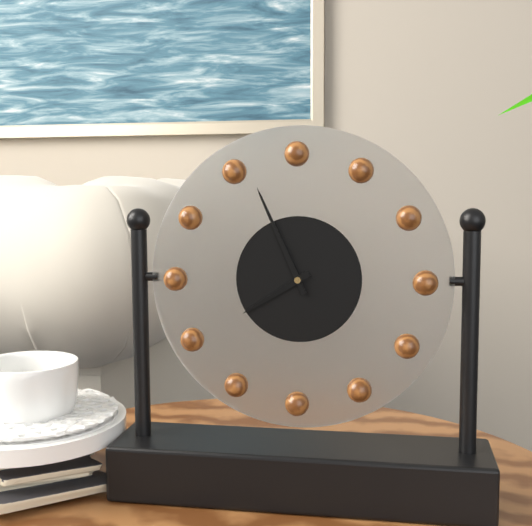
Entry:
h=7 m=56
